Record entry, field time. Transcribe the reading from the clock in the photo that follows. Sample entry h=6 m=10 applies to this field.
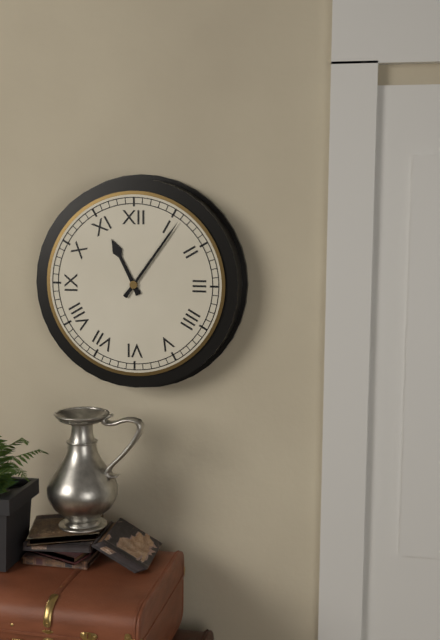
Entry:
h=11 m=6
